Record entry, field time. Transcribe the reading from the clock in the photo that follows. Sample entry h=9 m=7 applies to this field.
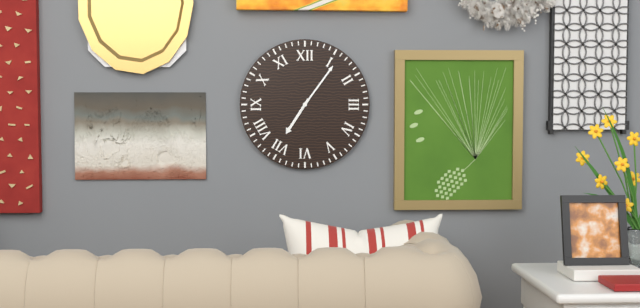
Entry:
h=7 m=6
